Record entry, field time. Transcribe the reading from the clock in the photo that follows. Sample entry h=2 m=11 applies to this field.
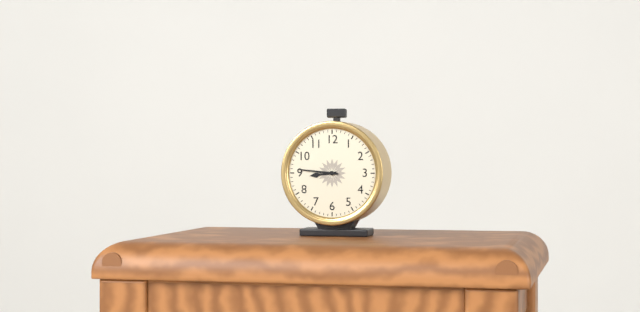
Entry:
h=8 m=46
